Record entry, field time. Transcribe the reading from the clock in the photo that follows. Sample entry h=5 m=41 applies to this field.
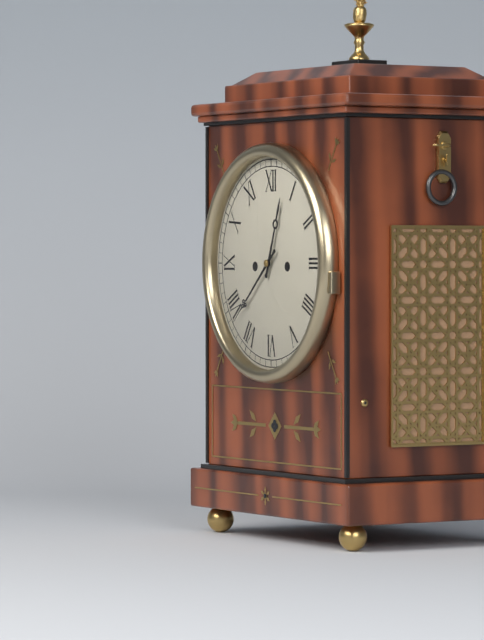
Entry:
h=12 m=38
